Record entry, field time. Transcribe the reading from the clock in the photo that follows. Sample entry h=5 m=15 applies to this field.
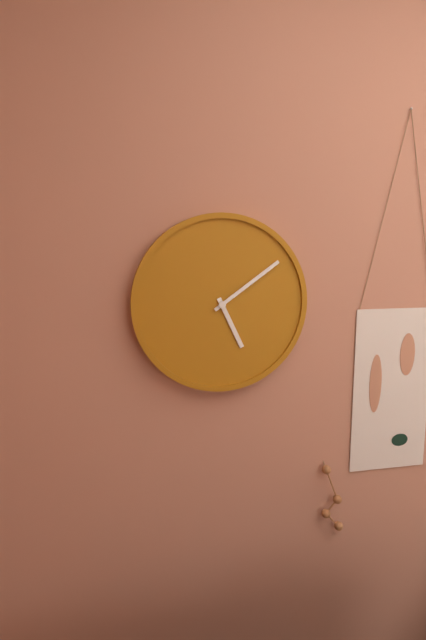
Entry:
h=5 m=9
